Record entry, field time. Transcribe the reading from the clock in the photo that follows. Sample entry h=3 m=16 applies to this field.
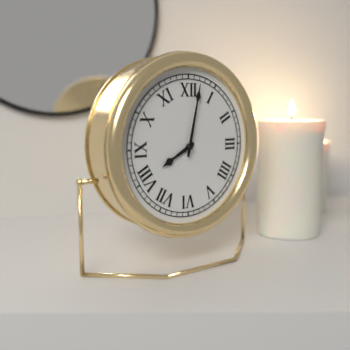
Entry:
h=8 m=2
